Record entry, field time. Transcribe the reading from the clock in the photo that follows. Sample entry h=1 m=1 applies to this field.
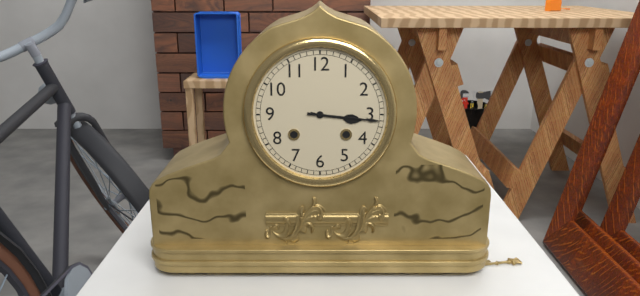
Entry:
h=3 m=16
